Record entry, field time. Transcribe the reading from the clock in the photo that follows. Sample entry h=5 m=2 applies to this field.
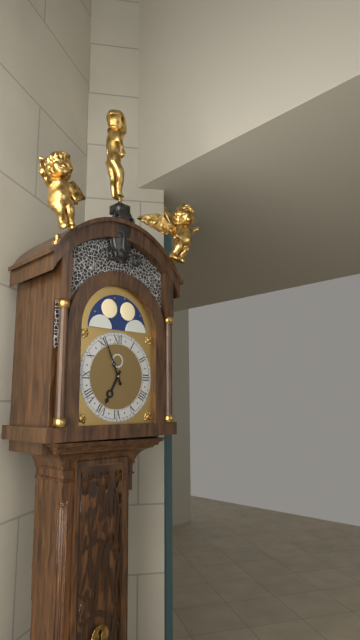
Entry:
h=6 m=56
